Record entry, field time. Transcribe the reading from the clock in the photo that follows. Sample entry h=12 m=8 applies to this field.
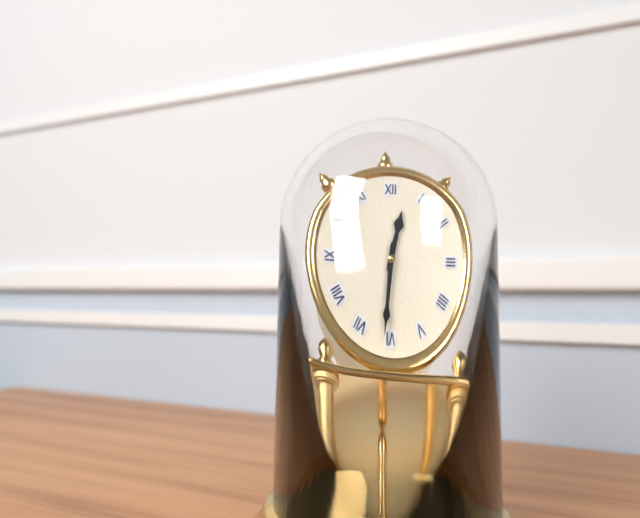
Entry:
h=12 m=31
